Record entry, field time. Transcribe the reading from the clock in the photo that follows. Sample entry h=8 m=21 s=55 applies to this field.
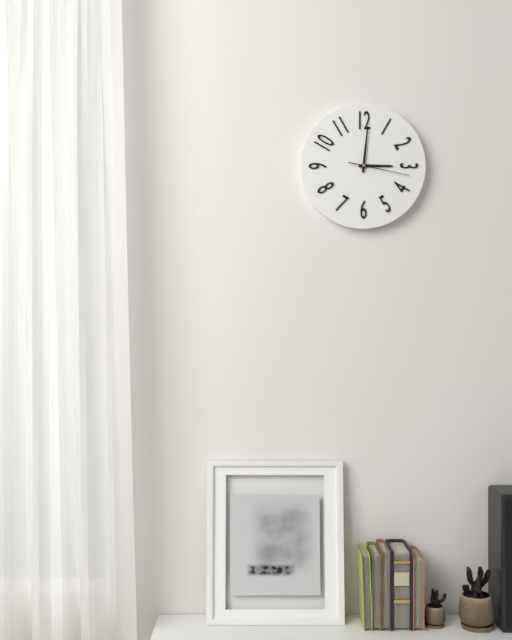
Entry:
h=3 m=1 s=17
